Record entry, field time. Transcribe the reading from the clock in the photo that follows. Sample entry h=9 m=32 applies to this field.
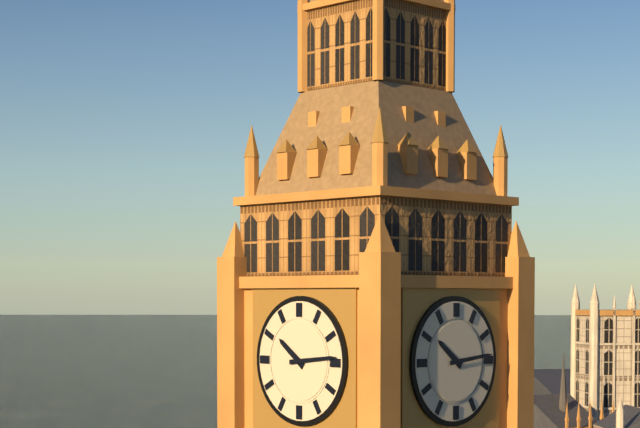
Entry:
h=10 m=14
